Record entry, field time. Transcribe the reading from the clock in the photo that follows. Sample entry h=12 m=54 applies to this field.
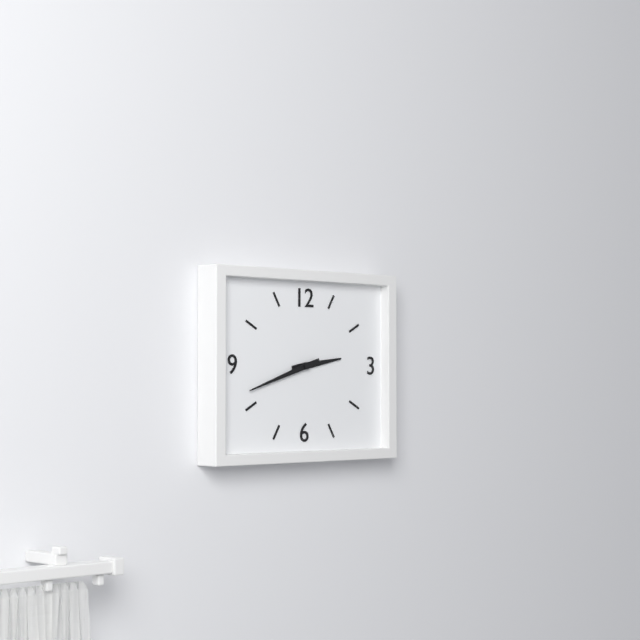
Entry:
h=2 m=42
